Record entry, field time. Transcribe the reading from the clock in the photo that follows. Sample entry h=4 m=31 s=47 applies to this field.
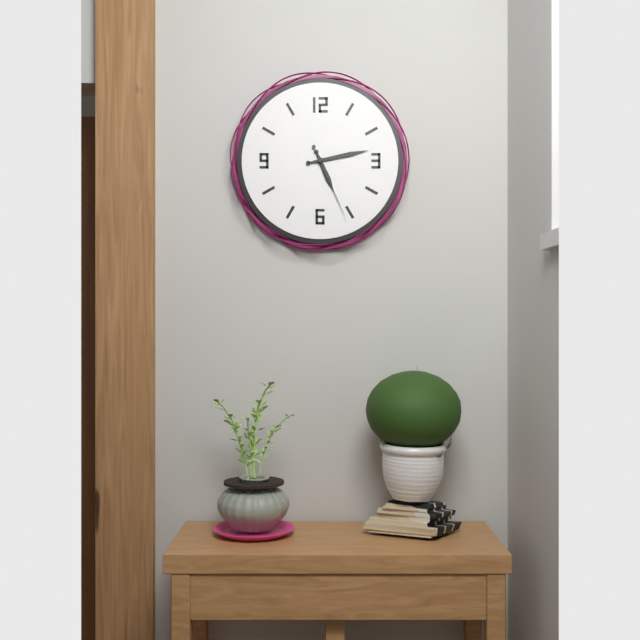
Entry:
h=5 m=13 s=26
